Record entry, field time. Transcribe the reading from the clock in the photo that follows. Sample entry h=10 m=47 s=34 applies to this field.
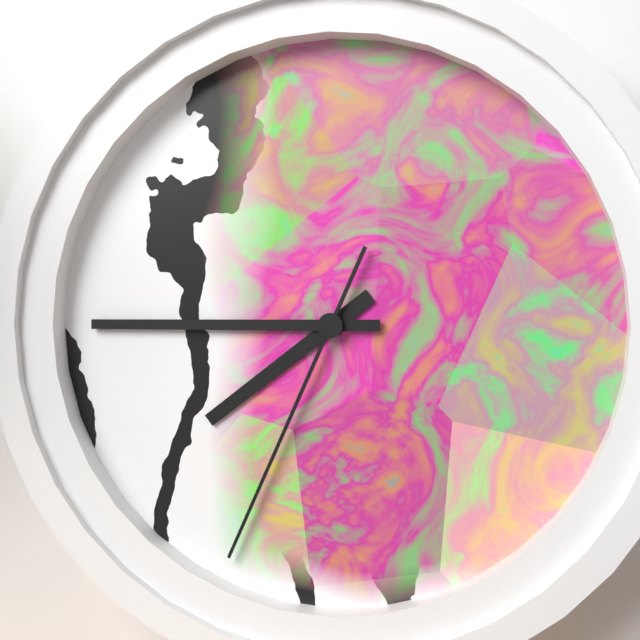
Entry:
h=7 m=45 s=34
